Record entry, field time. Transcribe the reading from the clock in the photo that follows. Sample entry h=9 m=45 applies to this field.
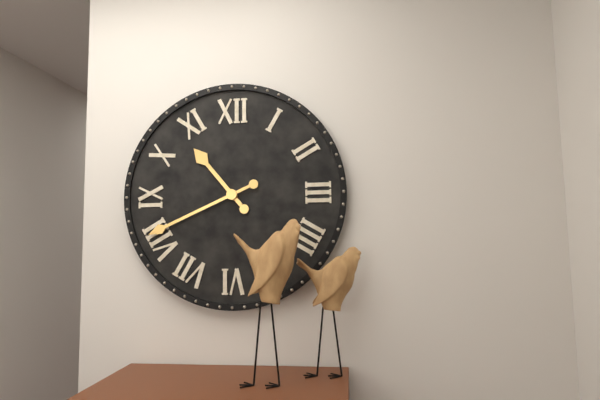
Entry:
h=10 m=41
